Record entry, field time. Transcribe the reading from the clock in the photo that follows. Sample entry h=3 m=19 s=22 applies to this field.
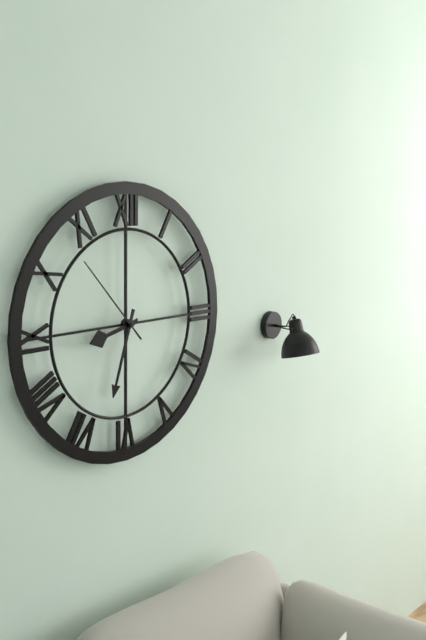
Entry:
h=8 m=33 s=53
